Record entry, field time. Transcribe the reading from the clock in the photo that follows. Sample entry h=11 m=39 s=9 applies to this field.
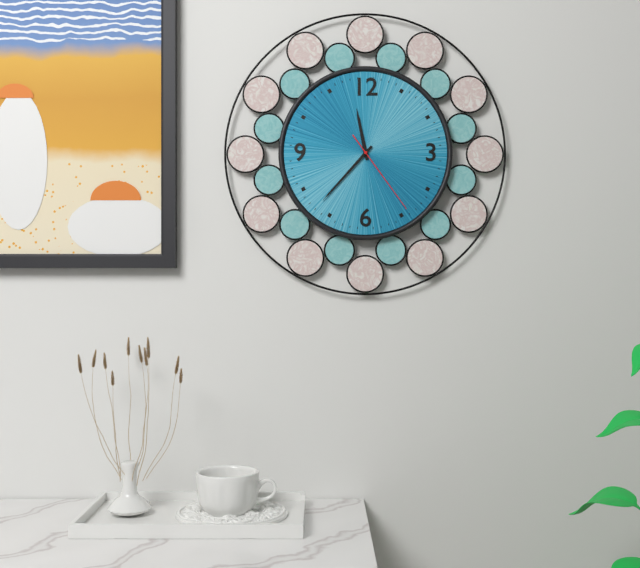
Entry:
h=11 m=37 s=24
